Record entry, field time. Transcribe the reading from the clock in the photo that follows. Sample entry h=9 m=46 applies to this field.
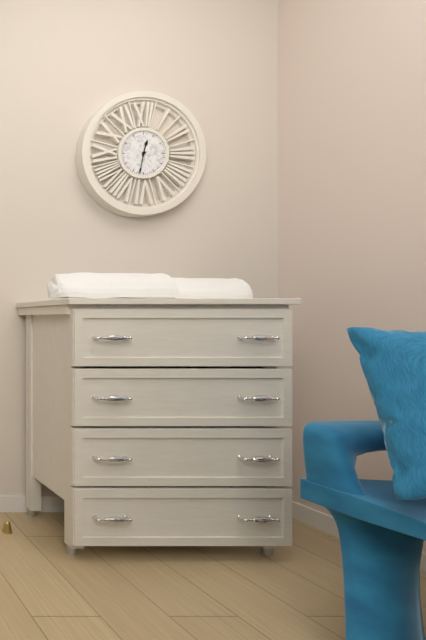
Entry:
h=12 m=32
